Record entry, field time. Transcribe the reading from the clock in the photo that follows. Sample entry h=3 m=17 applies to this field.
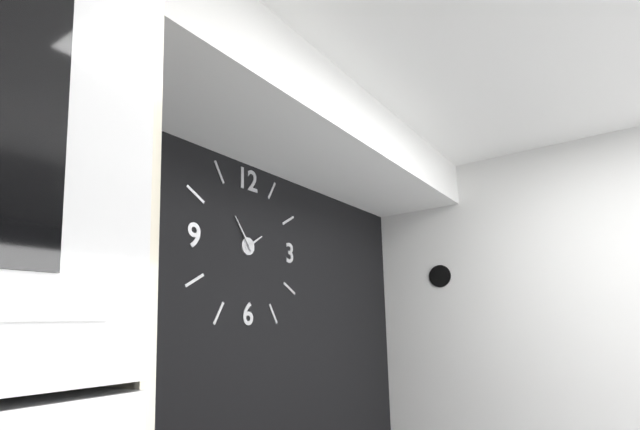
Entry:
h=1 m=54
